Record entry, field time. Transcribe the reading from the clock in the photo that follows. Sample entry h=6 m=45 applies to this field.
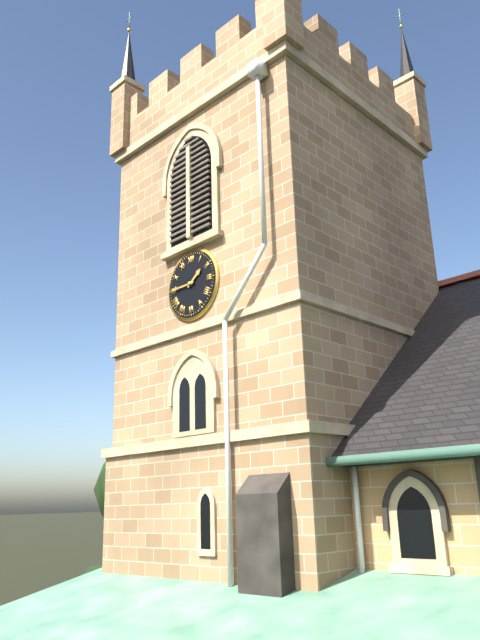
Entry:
h=1 m=45
